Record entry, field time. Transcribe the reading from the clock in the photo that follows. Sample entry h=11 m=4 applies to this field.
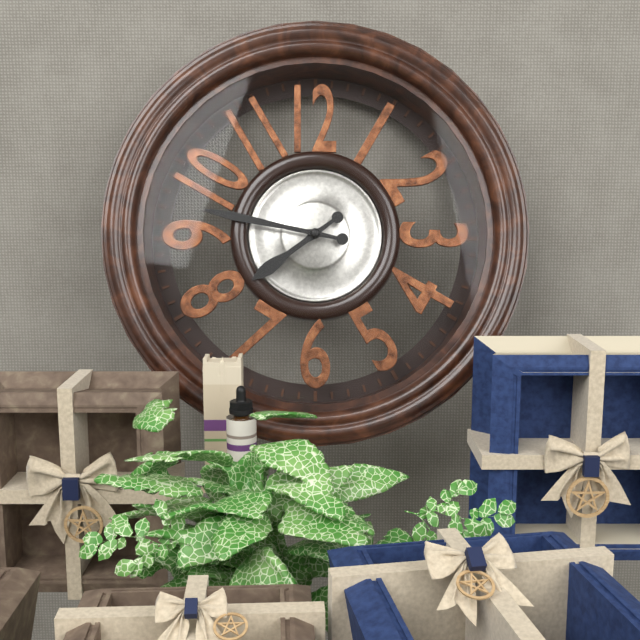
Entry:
h=7 m=47
